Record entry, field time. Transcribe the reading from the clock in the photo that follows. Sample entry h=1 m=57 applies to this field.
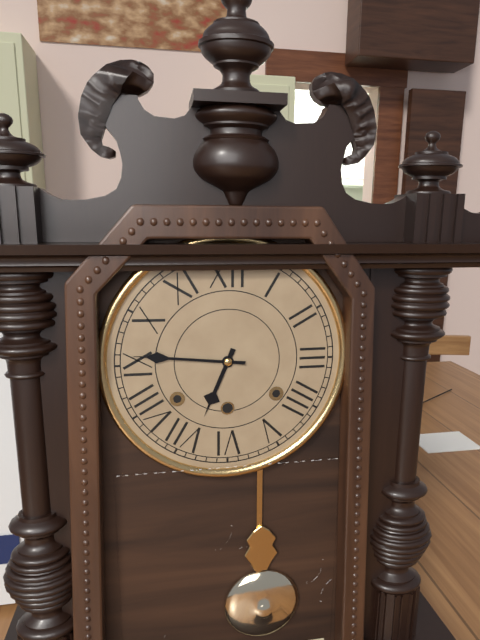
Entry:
h=6 m=46
